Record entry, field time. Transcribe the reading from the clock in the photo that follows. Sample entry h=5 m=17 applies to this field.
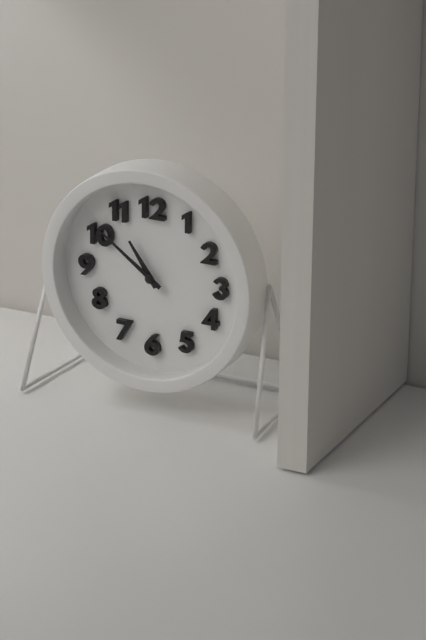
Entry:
h=10 m=51
